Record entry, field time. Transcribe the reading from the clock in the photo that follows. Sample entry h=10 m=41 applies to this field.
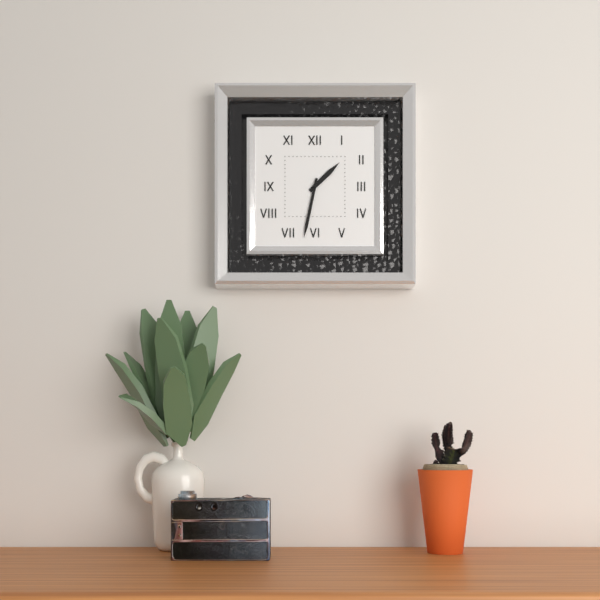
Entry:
h=1 m=32
